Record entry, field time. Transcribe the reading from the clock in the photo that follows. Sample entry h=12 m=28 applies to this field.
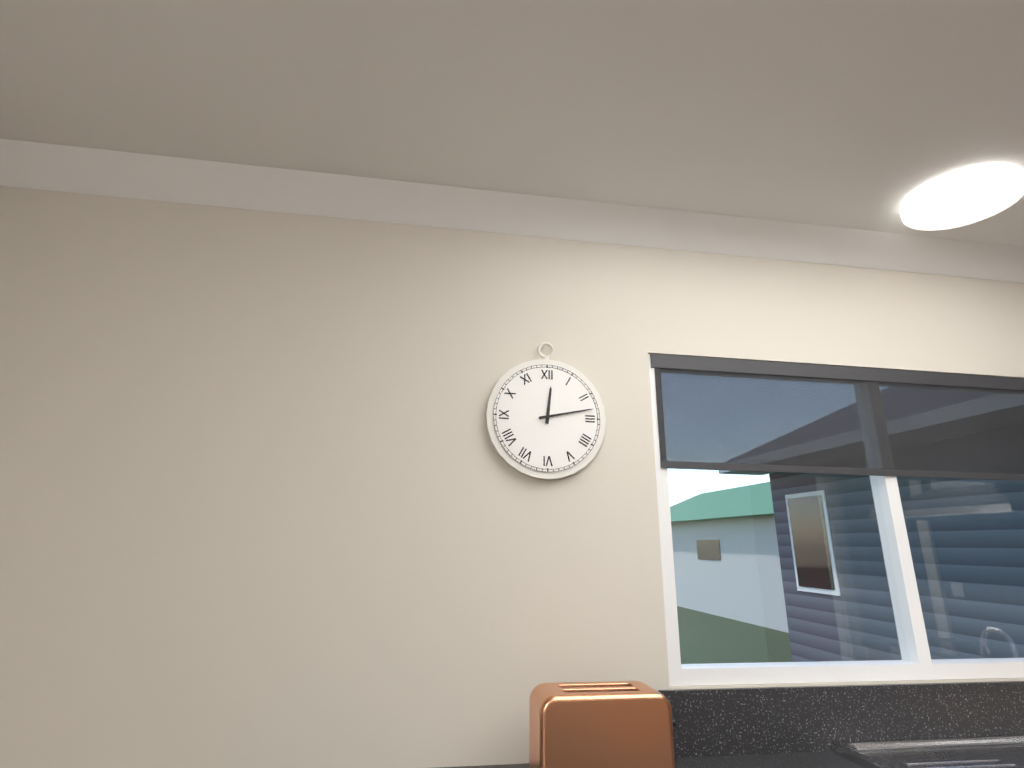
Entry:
h=12 m=13
